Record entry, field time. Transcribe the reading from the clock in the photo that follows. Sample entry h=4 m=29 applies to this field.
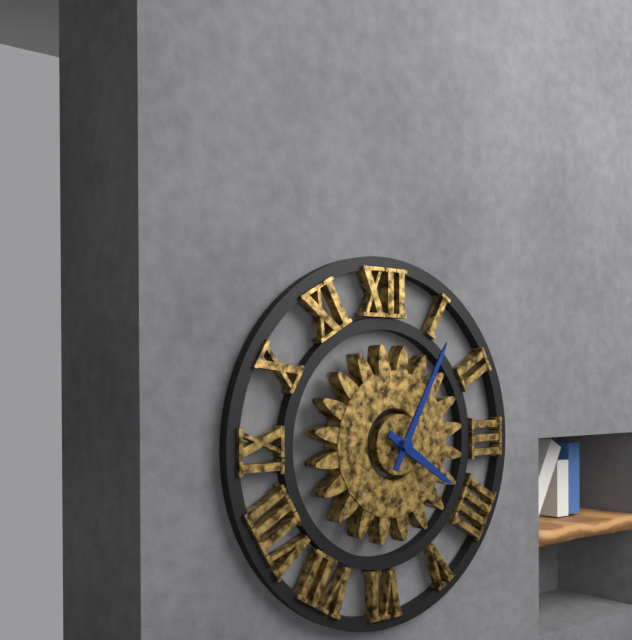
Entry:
h=4 m=5
